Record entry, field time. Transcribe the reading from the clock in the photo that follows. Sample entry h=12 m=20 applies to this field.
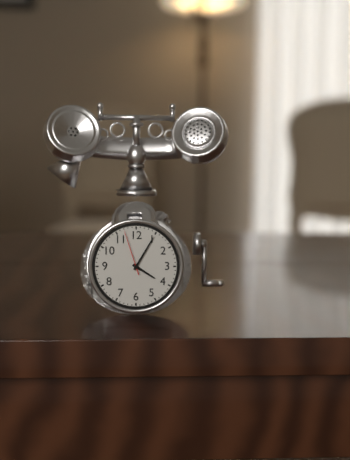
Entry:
h=4 m=5
